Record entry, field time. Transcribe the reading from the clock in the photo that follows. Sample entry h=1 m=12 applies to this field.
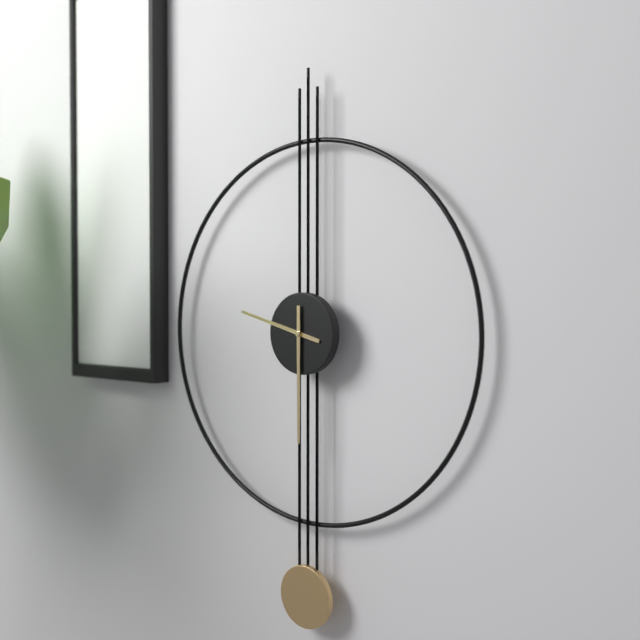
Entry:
h=9 m=30
